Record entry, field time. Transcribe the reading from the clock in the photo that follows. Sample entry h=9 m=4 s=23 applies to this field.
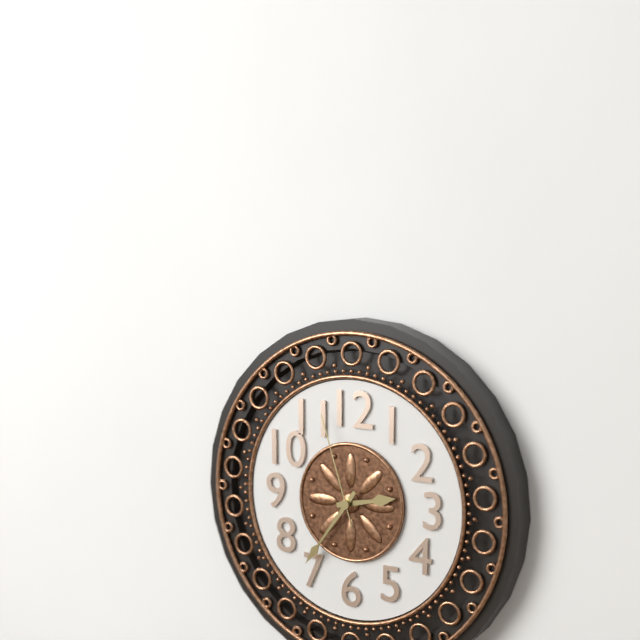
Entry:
h=2 m=36 s=57
